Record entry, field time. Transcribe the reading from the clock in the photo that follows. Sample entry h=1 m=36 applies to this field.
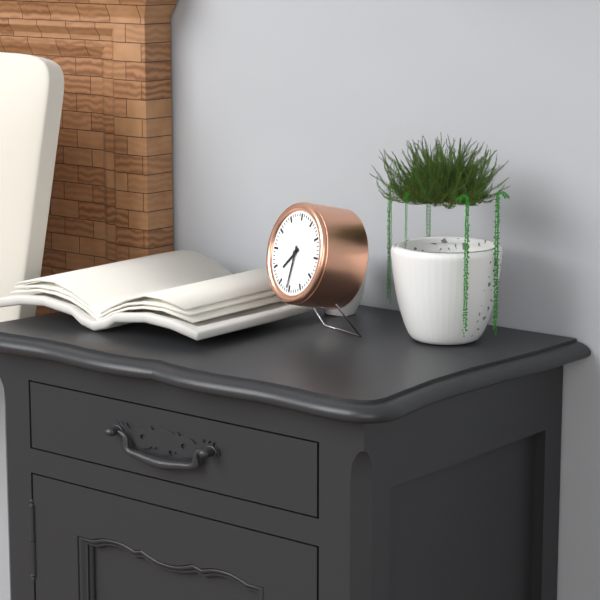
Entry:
h=7 m=31
